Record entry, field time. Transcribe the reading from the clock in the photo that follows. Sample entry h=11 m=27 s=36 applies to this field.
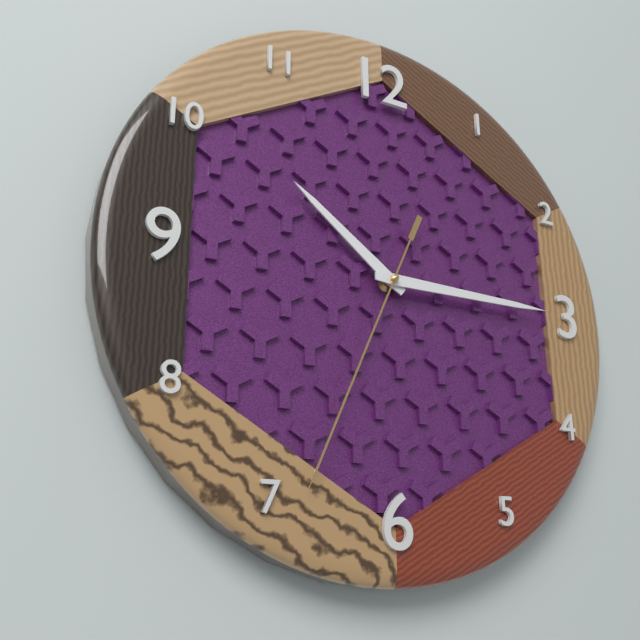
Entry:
h=10 m=15 s=34
